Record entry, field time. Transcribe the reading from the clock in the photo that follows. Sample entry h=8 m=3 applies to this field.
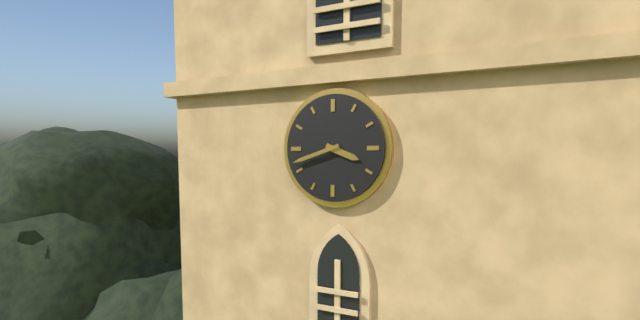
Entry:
h=3 m=42
